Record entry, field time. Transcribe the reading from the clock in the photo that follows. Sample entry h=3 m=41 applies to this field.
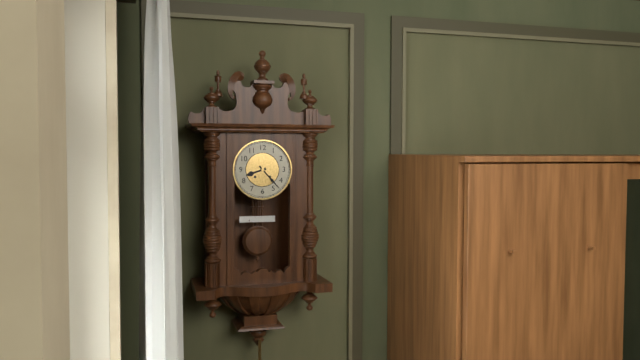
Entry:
h=8 m=23
